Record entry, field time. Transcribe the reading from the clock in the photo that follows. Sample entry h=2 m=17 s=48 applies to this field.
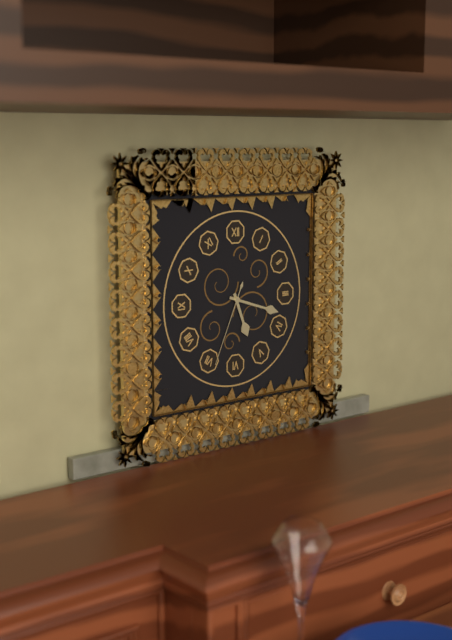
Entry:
h=5 m=18 s=34
